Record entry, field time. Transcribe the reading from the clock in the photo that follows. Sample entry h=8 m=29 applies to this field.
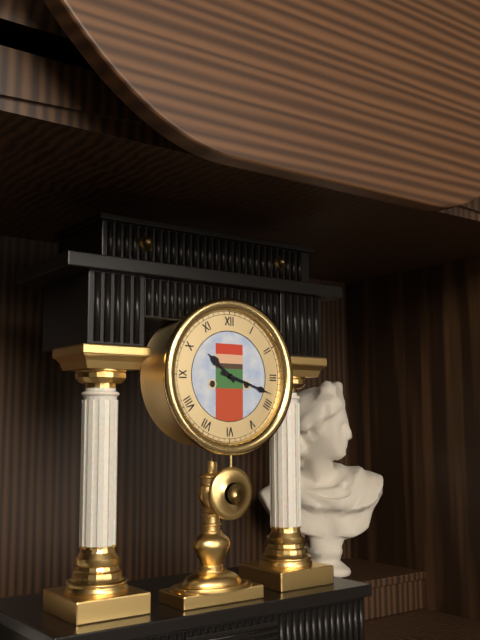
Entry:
h=10 m=18
